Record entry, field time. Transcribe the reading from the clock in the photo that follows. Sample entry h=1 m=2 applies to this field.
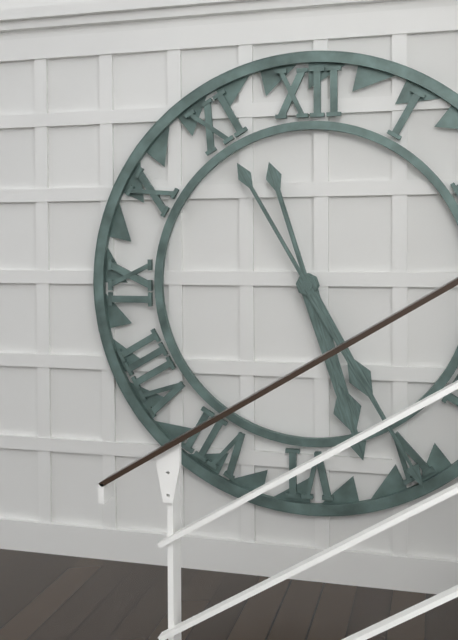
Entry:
h=5 m=25
